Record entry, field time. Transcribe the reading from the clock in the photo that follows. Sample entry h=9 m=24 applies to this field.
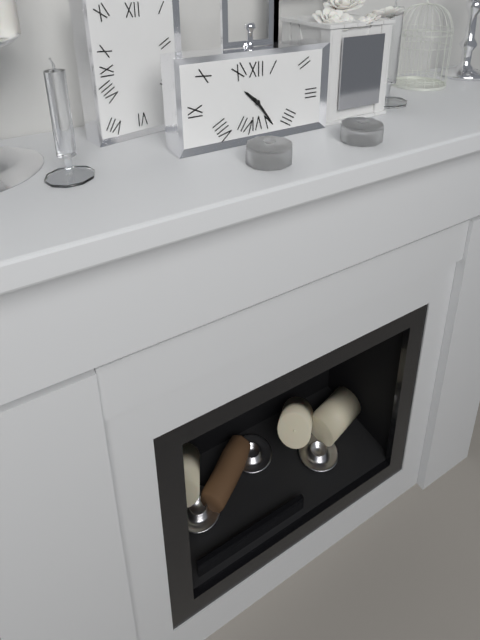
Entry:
h=10 m=24
